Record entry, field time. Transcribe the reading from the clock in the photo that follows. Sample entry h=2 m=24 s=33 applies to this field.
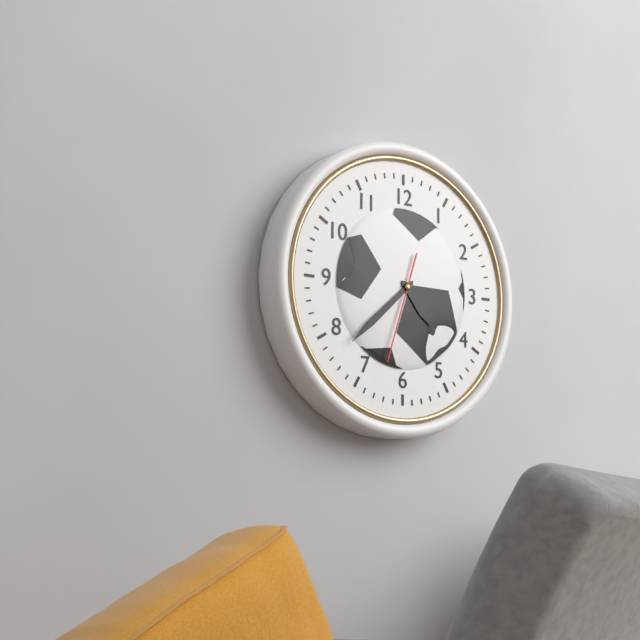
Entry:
h=4 m=38 s=33
